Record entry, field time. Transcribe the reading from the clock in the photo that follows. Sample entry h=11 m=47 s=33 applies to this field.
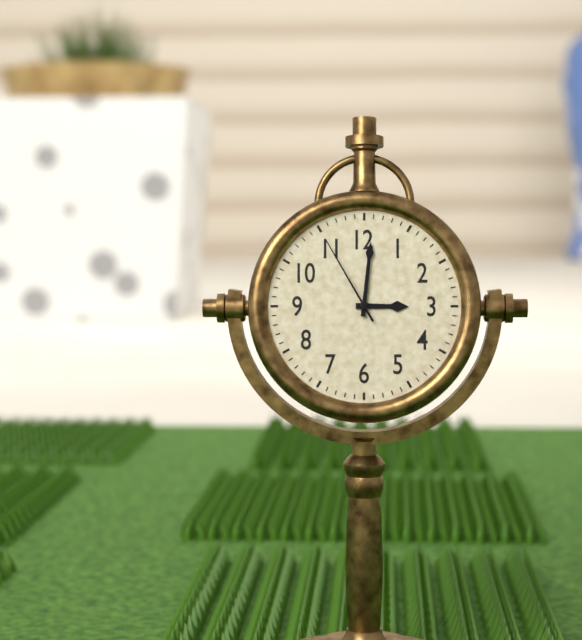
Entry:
h=3 m=1 s=55
